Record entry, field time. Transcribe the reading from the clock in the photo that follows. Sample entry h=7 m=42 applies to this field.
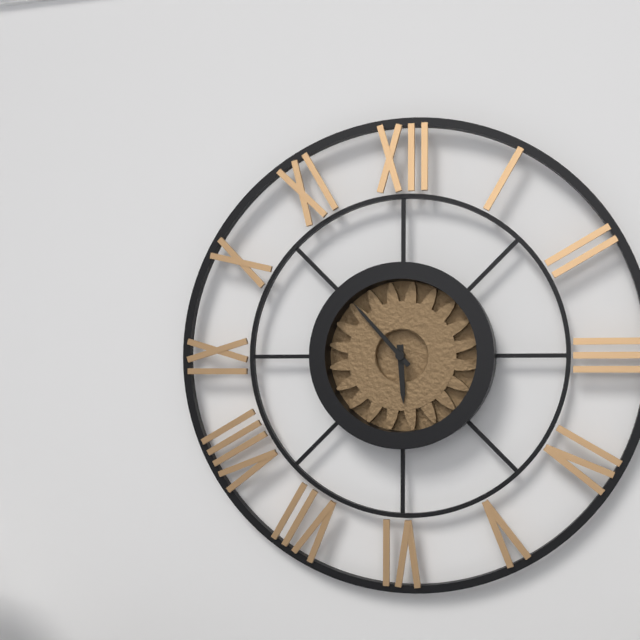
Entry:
h=5 m=53
